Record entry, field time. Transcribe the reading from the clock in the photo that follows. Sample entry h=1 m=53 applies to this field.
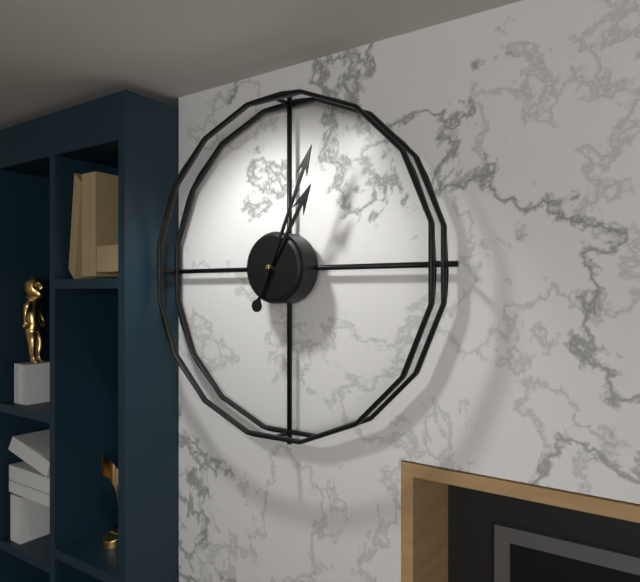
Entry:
h=1 m=4
